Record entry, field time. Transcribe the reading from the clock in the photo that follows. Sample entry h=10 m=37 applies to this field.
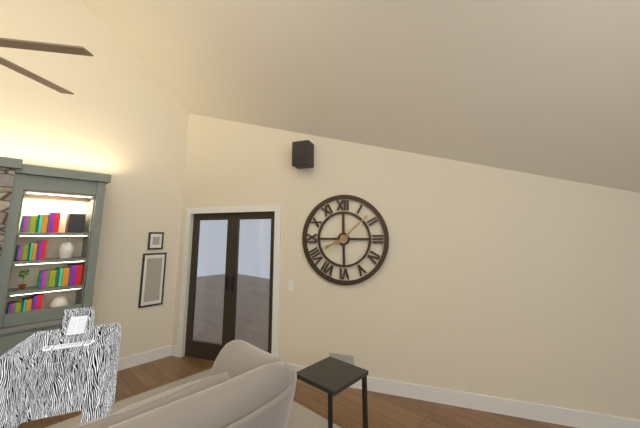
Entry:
h=8 m=8
